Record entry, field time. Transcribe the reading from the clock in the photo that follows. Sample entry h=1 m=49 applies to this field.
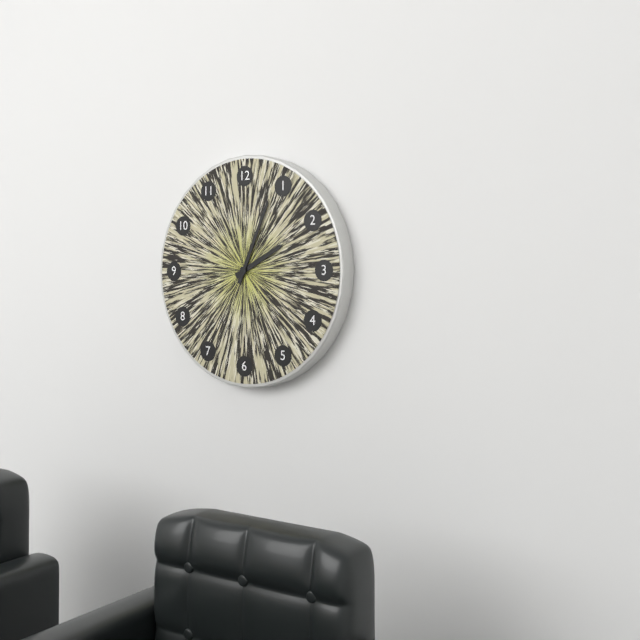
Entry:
h=2 m=4
